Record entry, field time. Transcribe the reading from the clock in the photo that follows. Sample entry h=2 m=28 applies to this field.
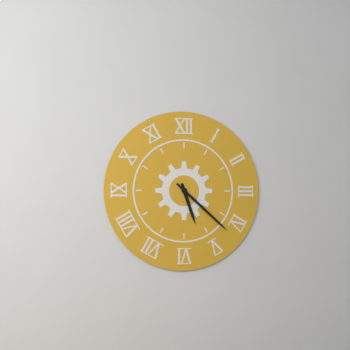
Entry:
h=5 m=22
